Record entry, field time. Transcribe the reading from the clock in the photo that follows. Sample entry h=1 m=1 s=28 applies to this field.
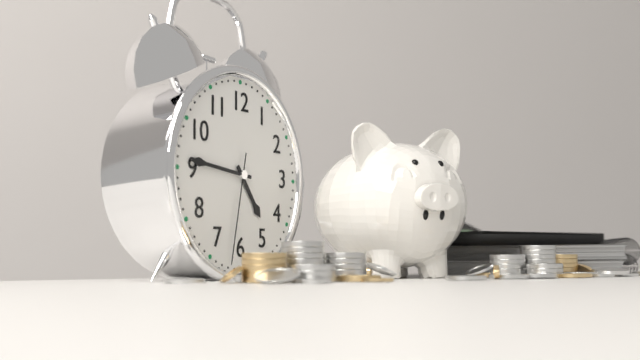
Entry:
h=4 m=46 s=32
